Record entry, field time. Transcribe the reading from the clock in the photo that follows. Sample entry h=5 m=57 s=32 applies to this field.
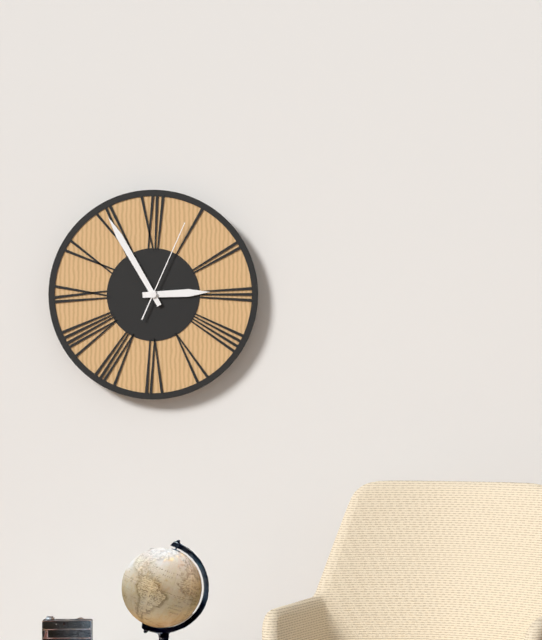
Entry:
h=2 m=55 s=4
